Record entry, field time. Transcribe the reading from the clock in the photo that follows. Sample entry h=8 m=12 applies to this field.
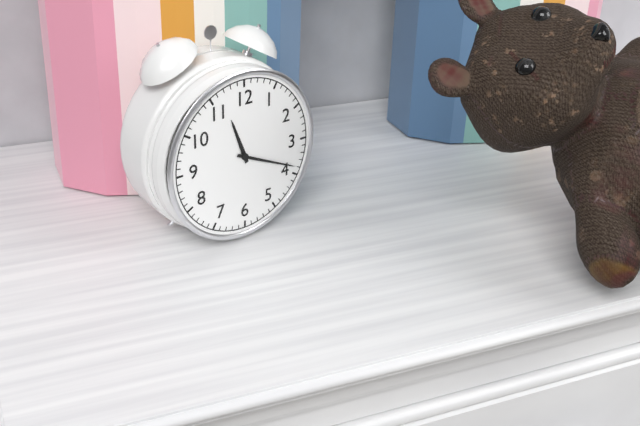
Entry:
h=11 m=19
